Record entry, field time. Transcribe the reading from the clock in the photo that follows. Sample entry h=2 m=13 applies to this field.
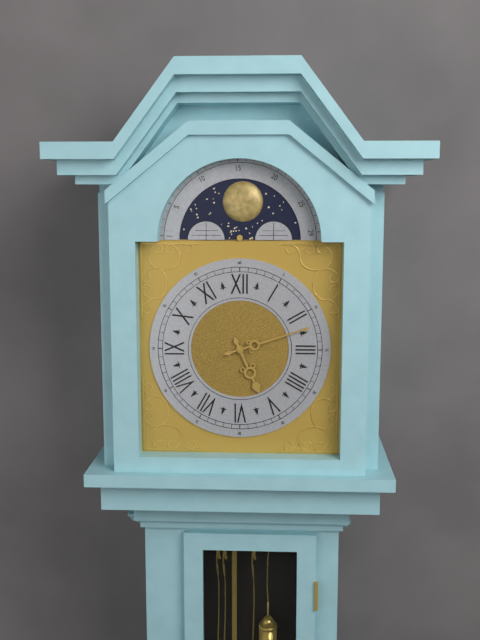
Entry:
h=5 m=12
